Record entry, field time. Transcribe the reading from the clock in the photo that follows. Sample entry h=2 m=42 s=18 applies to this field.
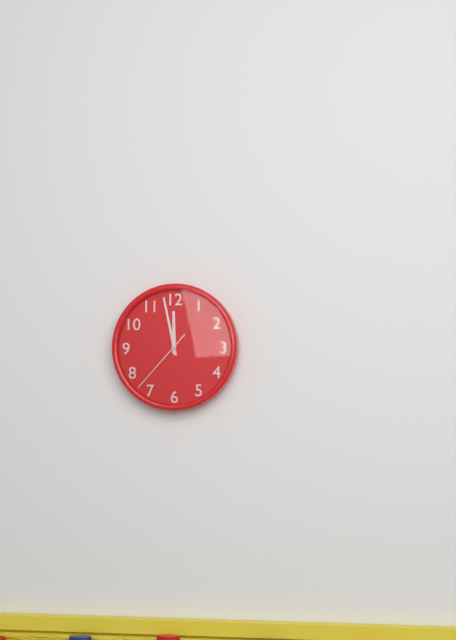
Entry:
h=11 m=58 s=37
